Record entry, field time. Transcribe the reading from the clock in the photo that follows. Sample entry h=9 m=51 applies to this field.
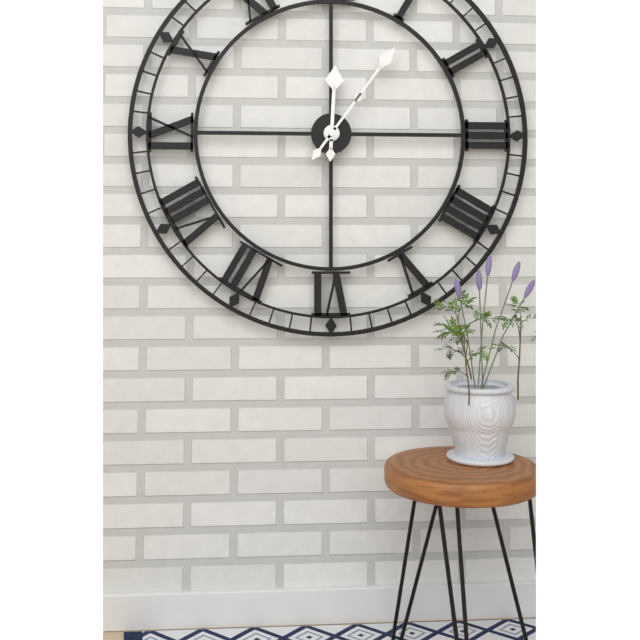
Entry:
h=12 m=6
